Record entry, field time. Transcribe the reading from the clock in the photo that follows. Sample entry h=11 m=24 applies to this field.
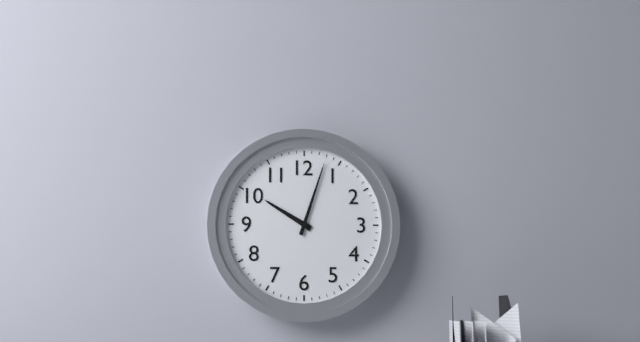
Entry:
h=10 m=3
